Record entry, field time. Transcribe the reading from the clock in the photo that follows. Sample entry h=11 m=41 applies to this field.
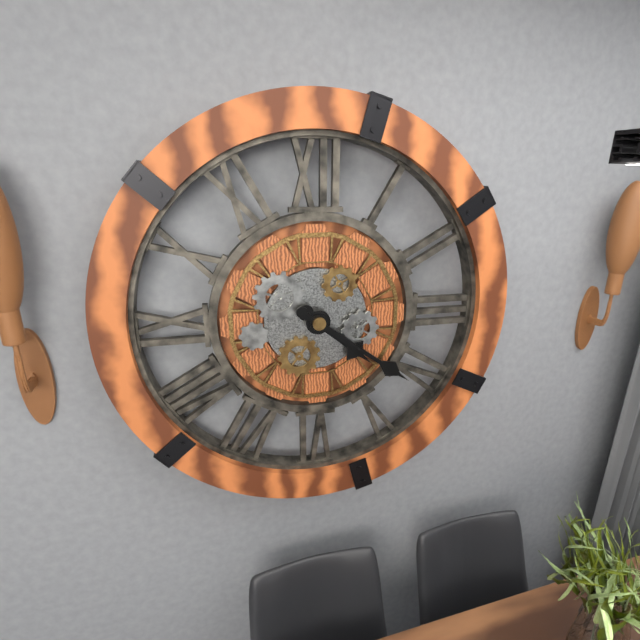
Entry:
h=4 m=21
